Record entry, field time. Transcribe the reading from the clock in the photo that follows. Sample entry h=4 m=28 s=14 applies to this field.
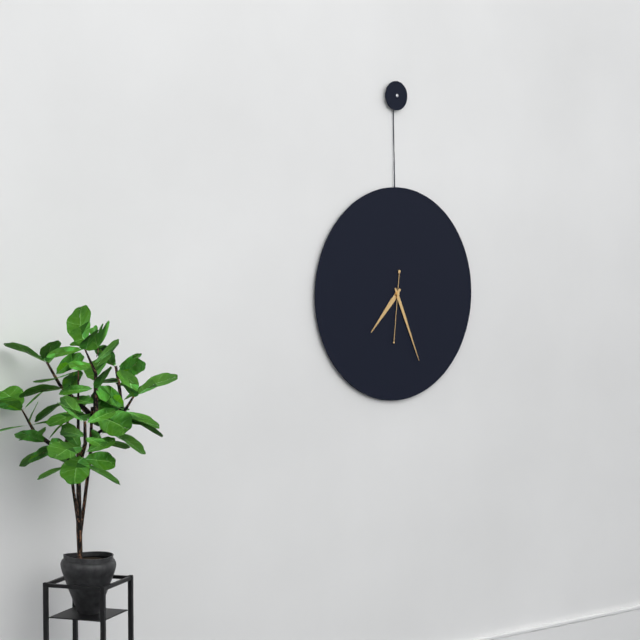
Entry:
h=7 m=26 s=31
